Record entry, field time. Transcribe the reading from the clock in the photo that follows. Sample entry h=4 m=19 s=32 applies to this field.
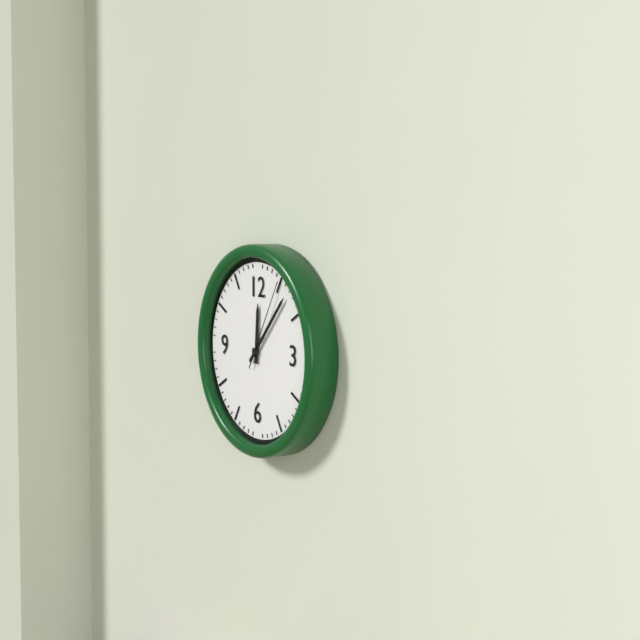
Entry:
h=12 m=7 s=5
